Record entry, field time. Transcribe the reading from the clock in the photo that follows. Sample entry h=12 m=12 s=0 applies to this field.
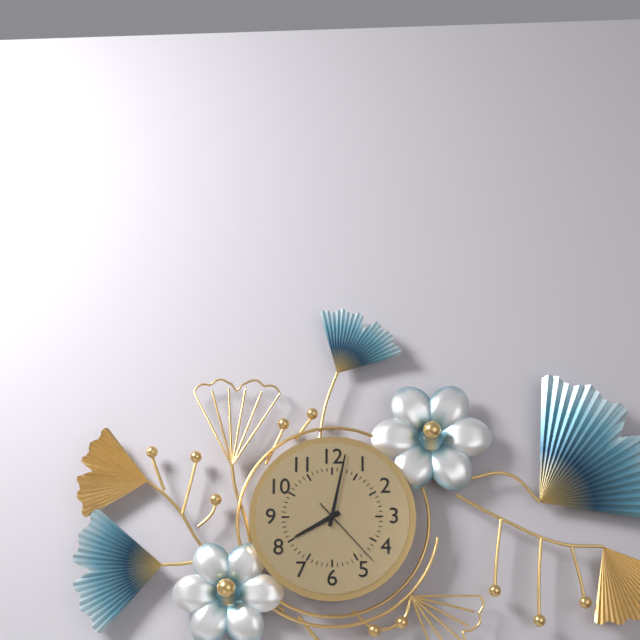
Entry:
h=8 m=2 s=23
